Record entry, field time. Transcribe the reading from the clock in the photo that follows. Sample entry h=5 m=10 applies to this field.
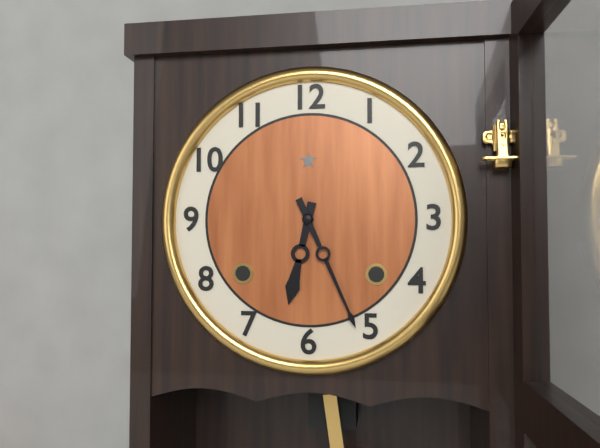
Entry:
h=6 m=26
